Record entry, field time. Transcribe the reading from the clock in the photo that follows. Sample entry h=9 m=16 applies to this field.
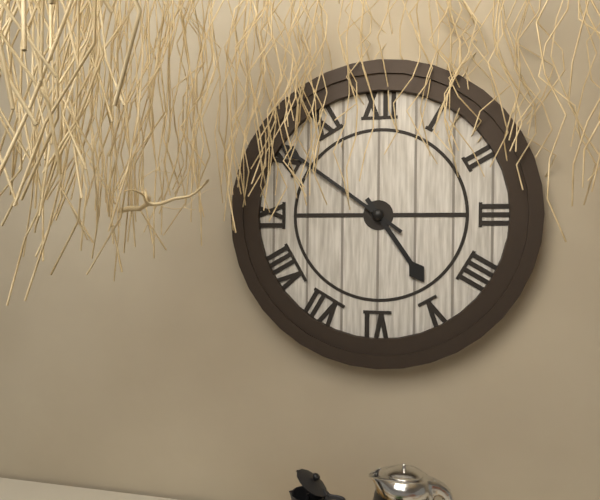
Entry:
h=4 m=51
